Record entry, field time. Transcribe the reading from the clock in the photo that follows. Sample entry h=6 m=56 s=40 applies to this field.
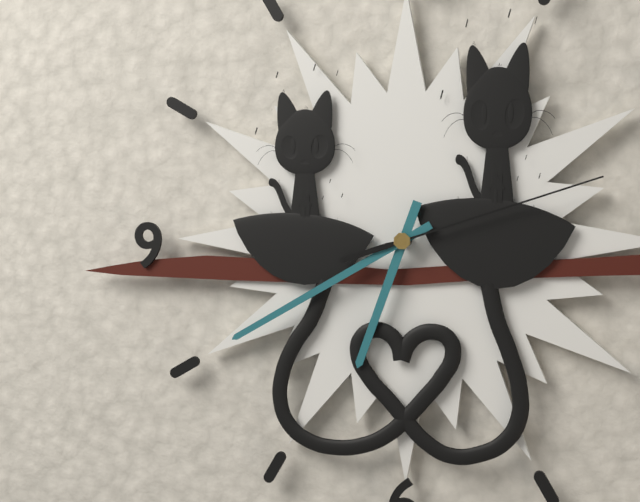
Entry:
h=6 m=40 s=12
